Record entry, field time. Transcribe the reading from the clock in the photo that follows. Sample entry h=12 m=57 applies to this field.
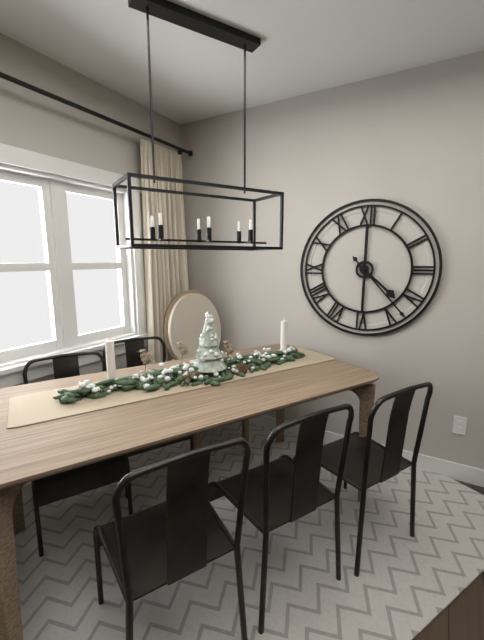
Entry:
h=4 m=23
